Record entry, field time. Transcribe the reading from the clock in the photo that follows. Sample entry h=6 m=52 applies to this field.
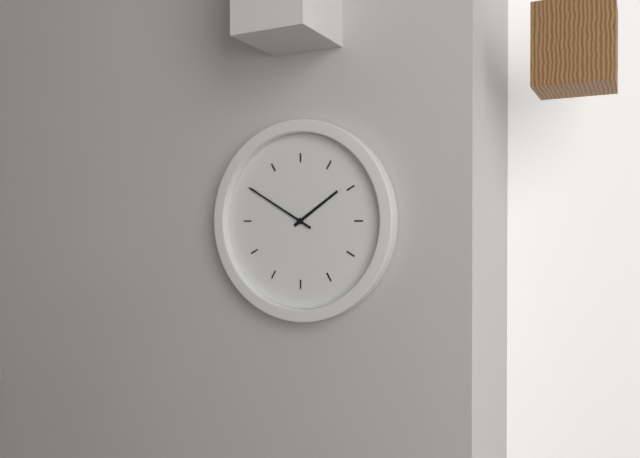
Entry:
h=1 m=50
